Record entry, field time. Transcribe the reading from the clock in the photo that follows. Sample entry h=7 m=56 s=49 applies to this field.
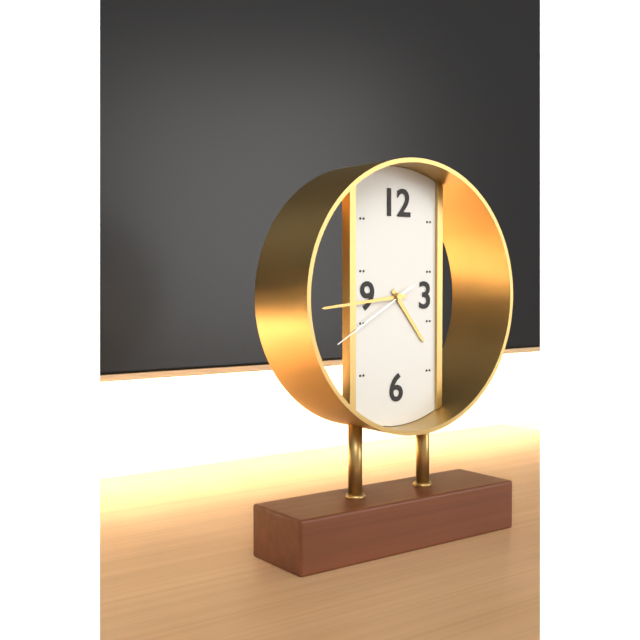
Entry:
h=4 m=44 s=40
